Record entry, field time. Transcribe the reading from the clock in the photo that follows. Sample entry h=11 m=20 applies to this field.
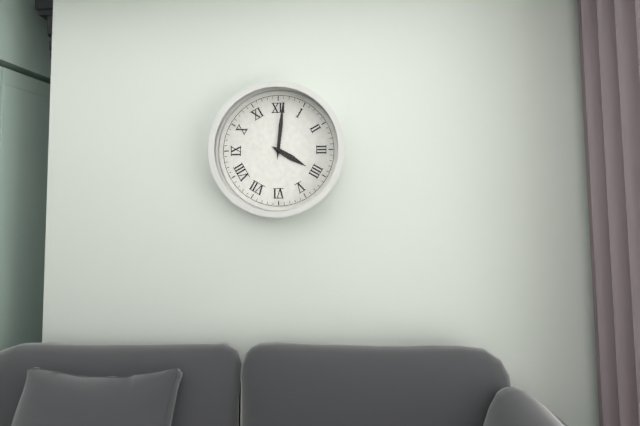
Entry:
h=4 m=1
